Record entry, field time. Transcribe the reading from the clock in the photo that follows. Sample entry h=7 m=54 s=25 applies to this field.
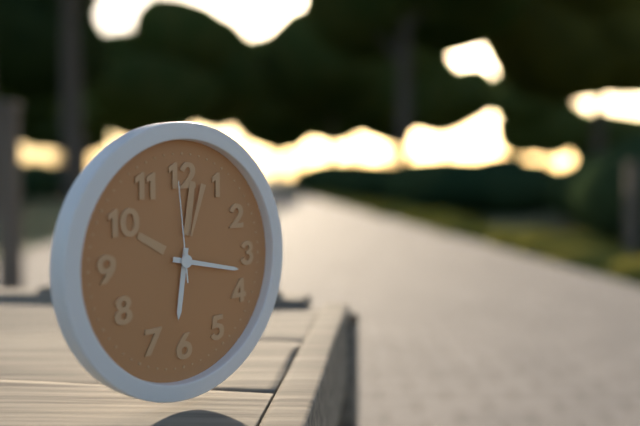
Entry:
h=6 m=17 s=59
